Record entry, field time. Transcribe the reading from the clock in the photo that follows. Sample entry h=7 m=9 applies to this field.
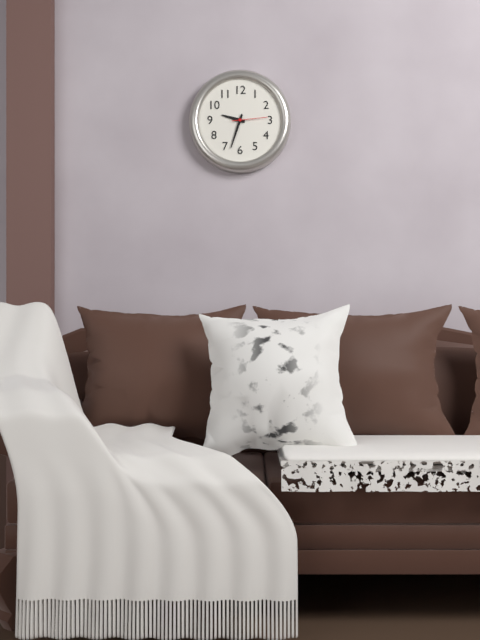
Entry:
h=9 m=33
